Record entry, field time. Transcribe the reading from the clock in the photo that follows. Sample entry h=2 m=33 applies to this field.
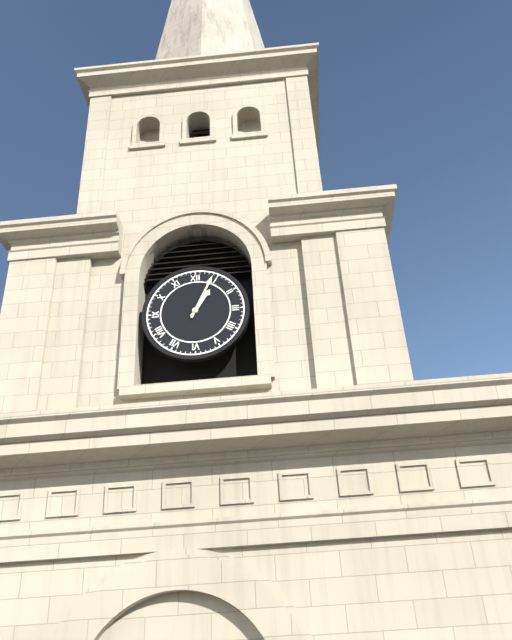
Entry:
h=1 m=4
